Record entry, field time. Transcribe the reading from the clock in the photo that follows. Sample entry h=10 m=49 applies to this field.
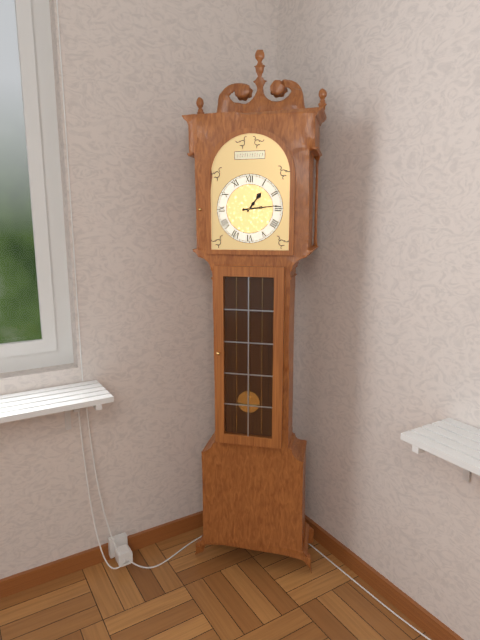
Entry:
h=1 m=14
